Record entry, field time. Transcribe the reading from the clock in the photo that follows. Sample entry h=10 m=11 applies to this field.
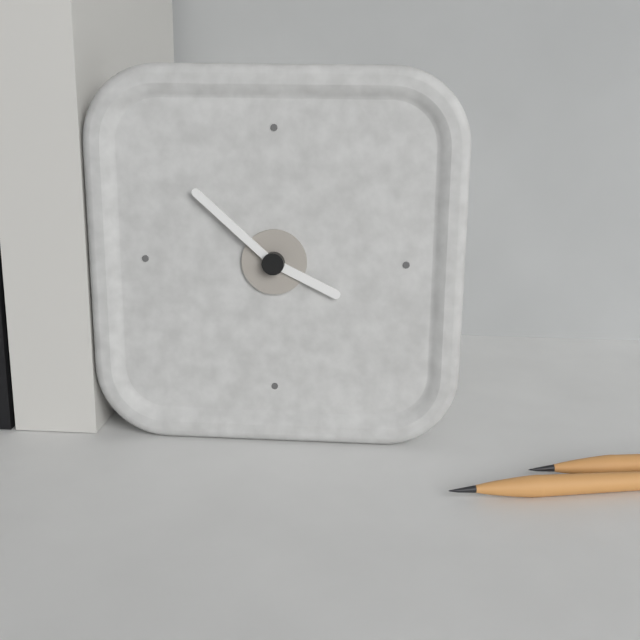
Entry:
h=3 m=52
